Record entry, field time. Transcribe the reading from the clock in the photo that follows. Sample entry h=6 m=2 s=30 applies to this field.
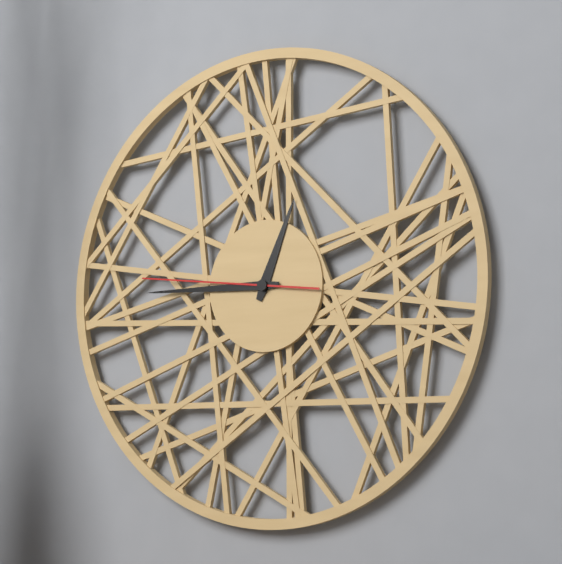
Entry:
h=12 m=45 s=46
